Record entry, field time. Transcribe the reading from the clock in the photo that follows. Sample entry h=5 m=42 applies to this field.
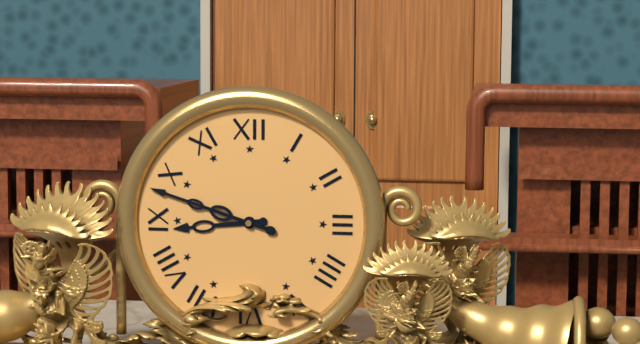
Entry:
h=8 m=48
